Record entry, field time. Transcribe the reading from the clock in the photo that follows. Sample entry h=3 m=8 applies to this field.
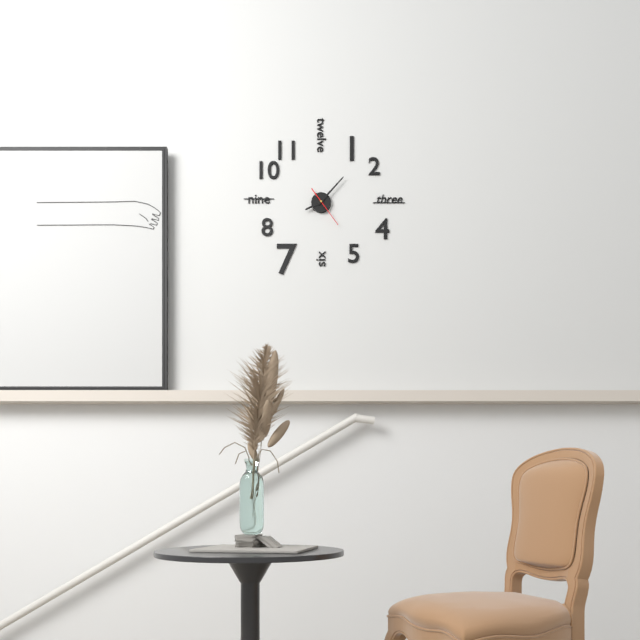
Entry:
h=8 m=7
